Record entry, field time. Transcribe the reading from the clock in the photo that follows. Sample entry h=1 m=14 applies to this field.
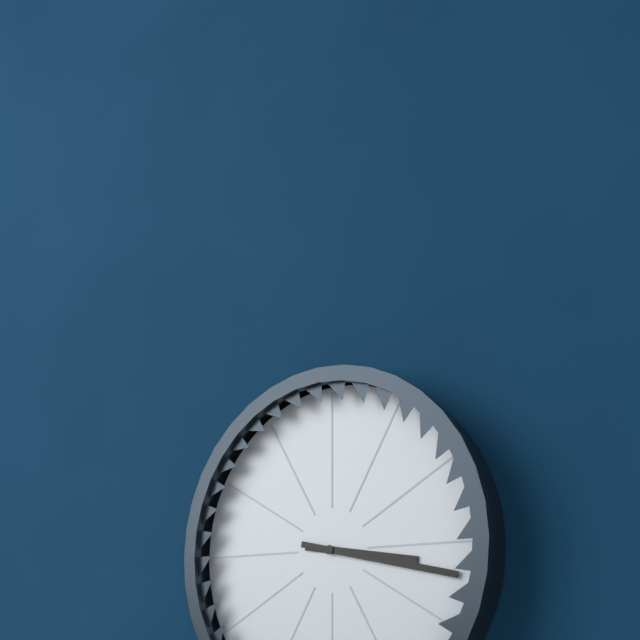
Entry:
h=3 m=17
